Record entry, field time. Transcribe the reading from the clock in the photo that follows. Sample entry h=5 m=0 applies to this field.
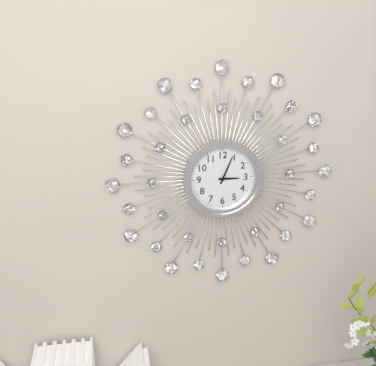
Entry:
h=3 m=4
